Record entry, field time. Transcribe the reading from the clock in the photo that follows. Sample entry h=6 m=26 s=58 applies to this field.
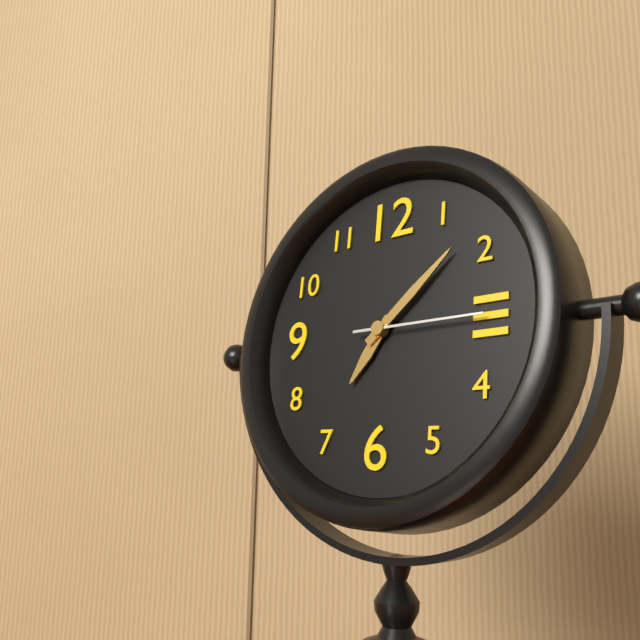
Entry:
h=7 m=8 s=15
